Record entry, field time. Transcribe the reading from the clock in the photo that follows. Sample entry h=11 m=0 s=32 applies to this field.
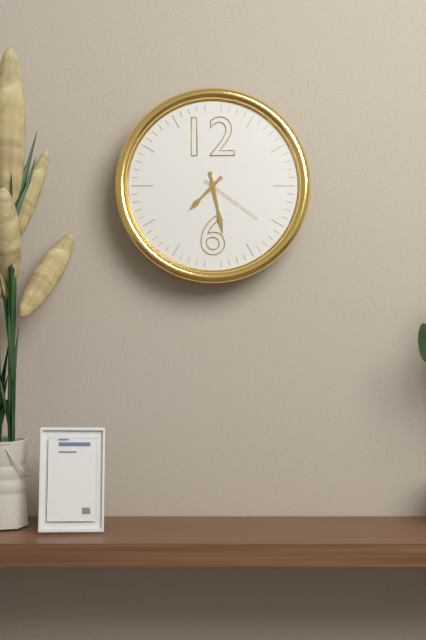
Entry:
h=7 m=28 s=21
